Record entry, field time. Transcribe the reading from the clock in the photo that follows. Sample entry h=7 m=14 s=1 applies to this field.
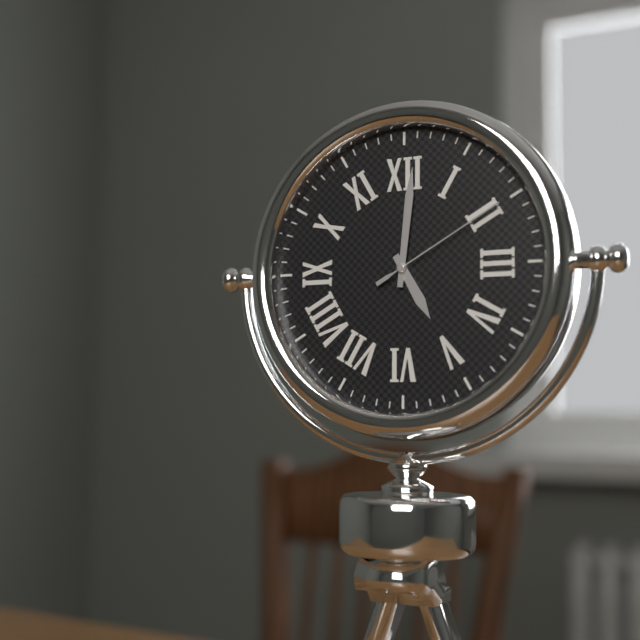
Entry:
h=5 m=1 s=10
